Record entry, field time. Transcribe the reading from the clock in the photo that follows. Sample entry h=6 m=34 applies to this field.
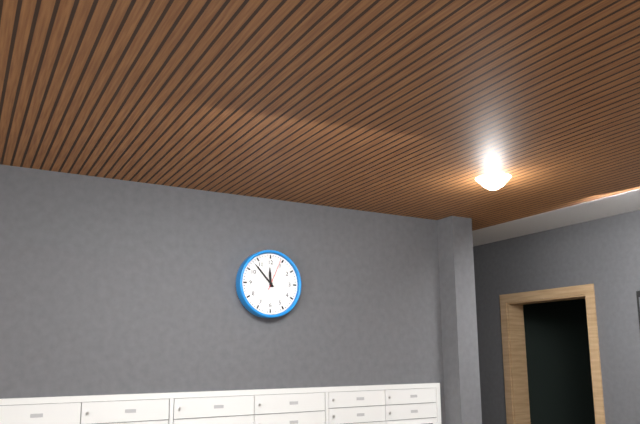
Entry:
h=11 m=53
